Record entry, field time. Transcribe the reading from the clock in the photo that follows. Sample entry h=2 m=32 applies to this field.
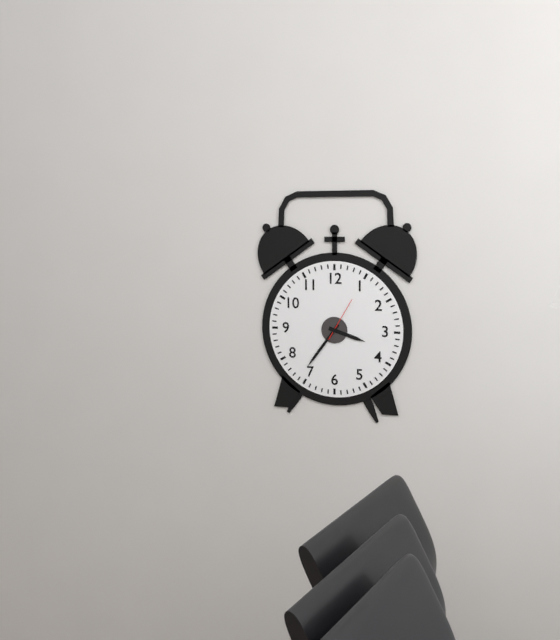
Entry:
h=3 m=36
